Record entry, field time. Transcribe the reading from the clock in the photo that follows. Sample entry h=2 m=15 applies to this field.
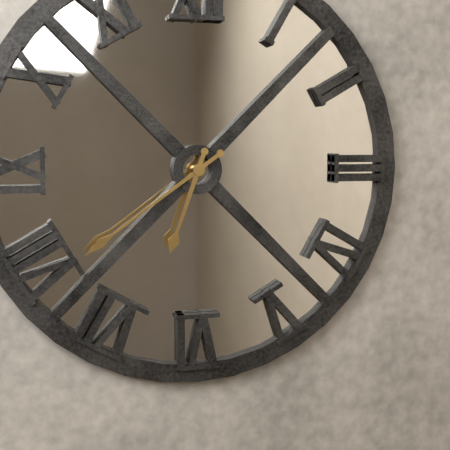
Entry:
h=6 m=39
